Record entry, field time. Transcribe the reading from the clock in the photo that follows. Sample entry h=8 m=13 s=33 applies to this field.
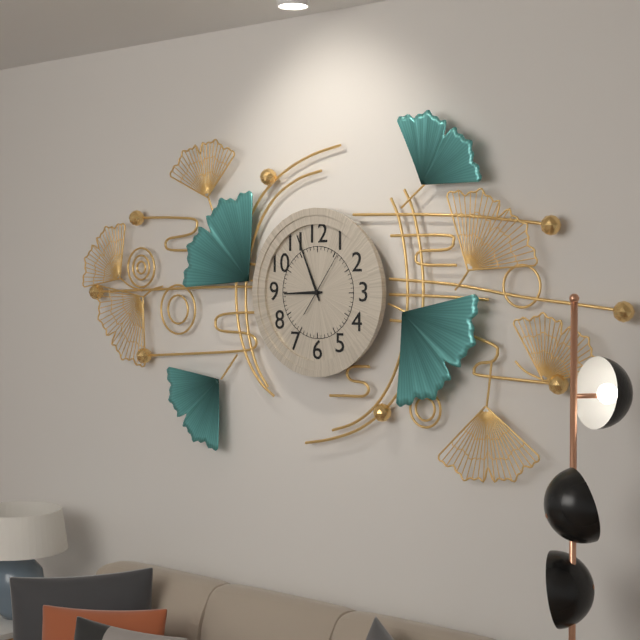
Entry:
h=8 m=56 s=6
